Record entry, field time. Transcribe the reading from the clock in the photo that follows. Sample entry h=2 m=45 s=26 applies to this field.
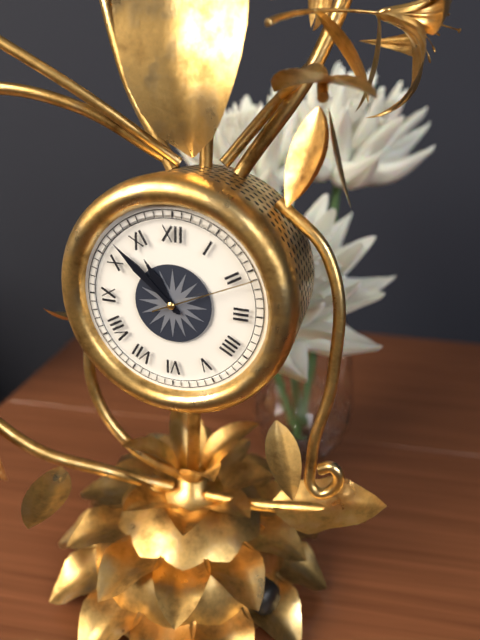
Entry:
h=10 m=52 s=11
